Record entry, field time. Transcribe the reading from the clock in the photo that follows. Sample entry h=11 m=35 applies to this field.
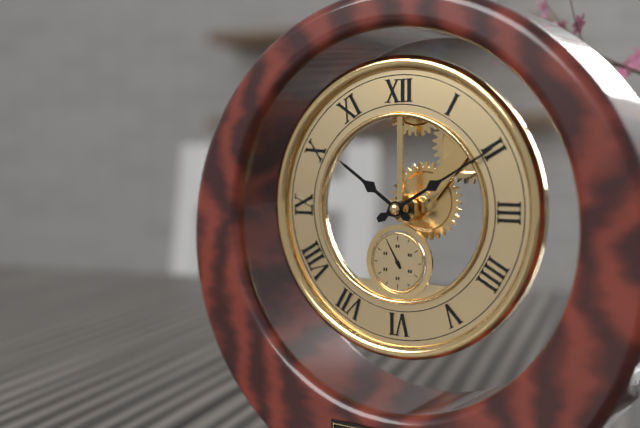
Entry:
h=10 m=10
